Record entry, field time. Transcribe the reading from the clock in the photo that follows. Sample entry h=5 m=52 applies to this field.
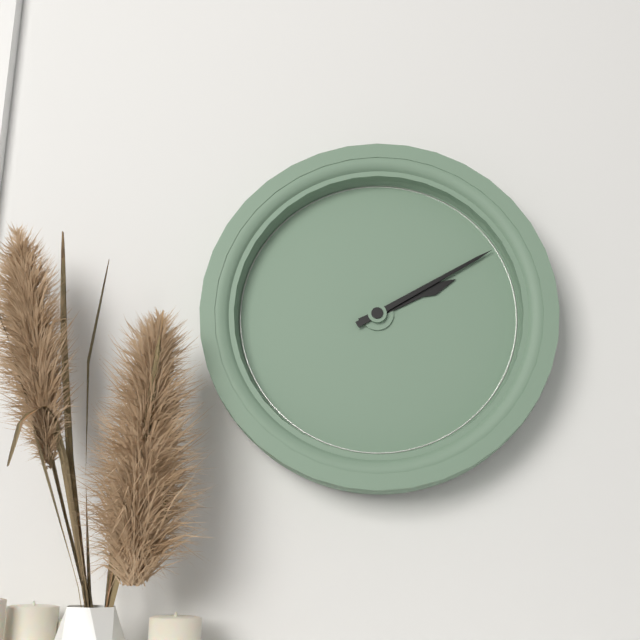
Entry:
h=2 m=10
